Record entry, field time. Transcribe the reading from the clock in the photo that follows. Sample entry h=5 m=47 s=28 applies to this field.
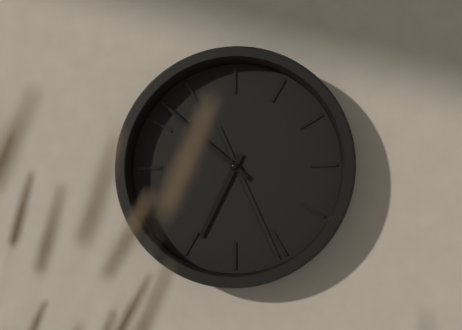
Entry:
h=6 m=52 s=26
